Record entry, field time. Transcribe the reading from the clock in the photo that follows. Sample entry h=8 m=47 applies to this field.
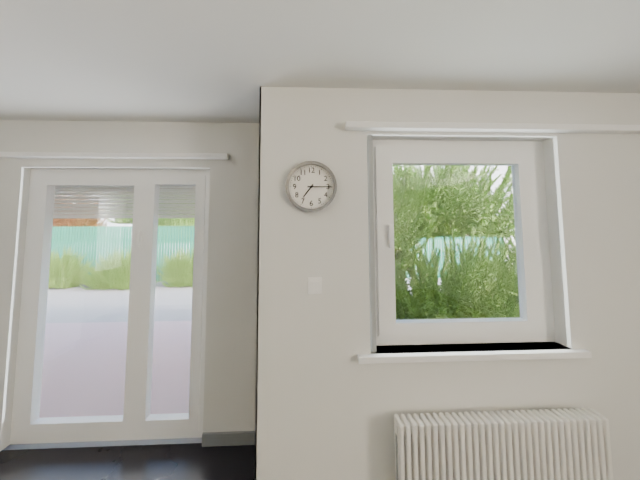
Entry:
h=7 m=15
